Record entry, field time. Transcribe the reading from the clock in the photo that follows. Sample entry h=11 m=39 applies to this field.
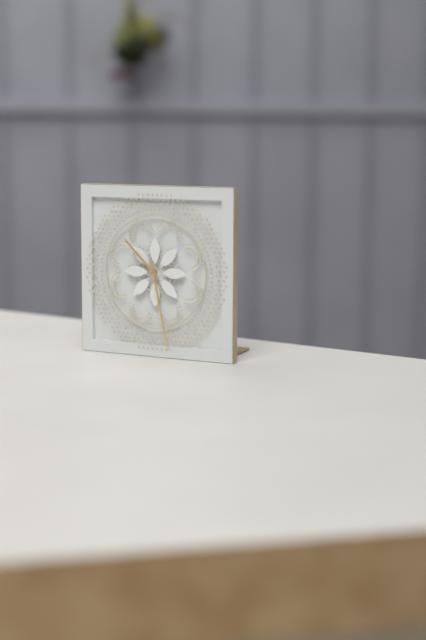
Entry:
h=10 m=28
